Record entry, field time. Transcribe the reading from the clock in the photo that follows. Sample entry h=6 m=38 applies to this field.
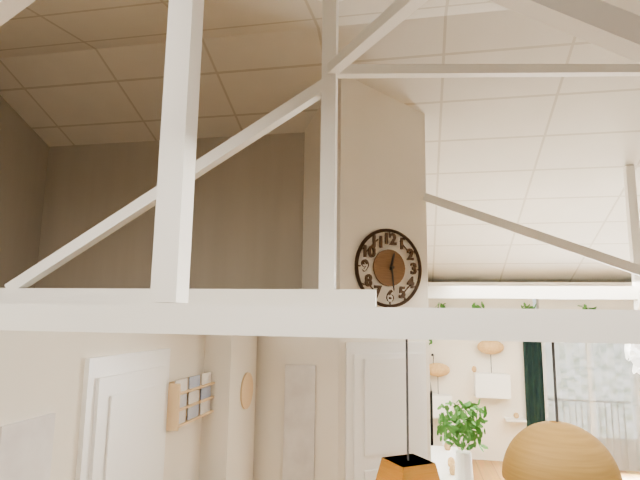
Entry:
h=12 m=29
